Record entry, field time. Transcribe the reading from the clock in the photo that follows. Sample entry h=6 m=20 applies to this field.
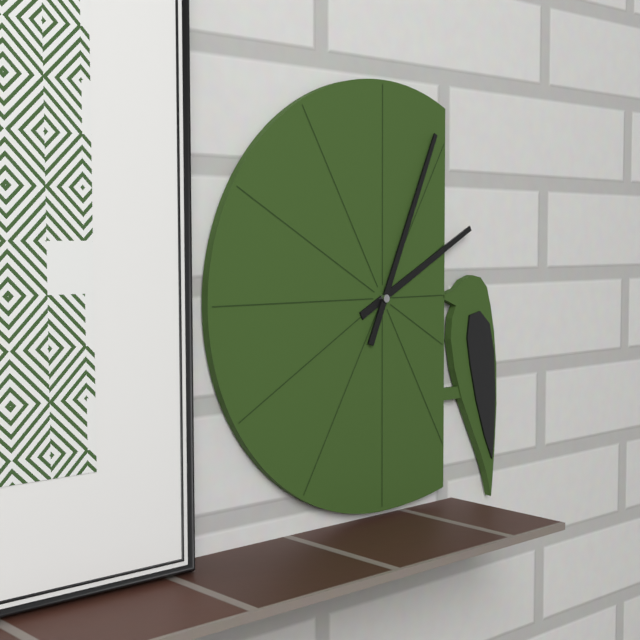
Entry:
h=2 m=4
